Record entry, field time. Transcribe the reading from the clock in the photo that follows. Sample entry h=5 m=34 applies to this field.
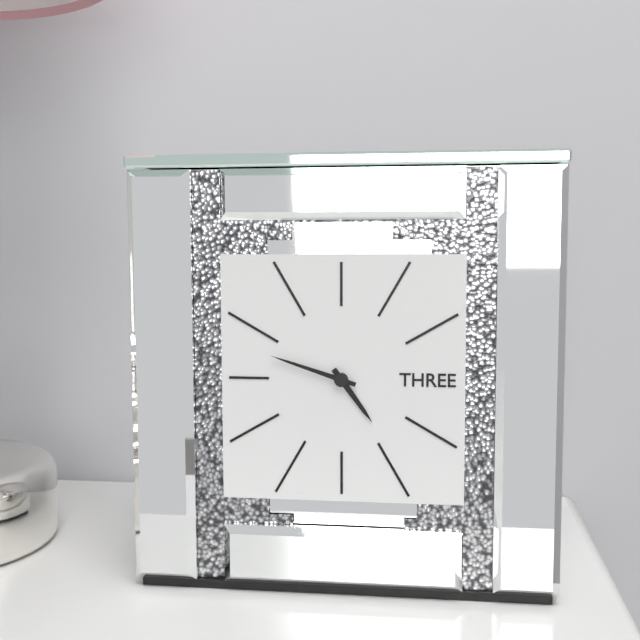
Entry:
h=4 m=48
